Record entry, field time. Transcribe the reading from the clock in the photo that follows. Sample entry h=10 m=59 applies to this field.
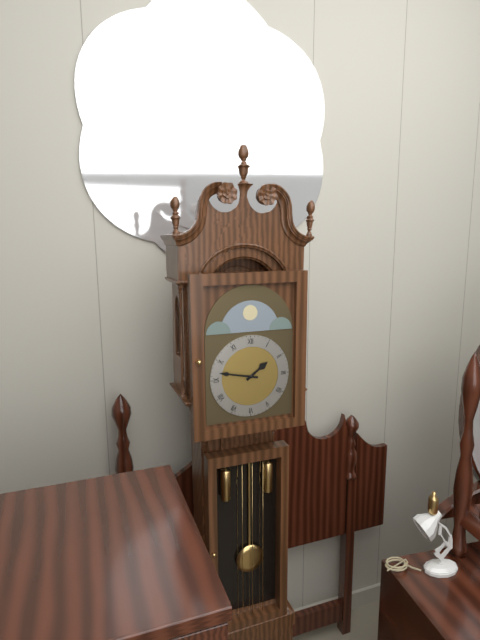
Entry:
h=1 m=47
